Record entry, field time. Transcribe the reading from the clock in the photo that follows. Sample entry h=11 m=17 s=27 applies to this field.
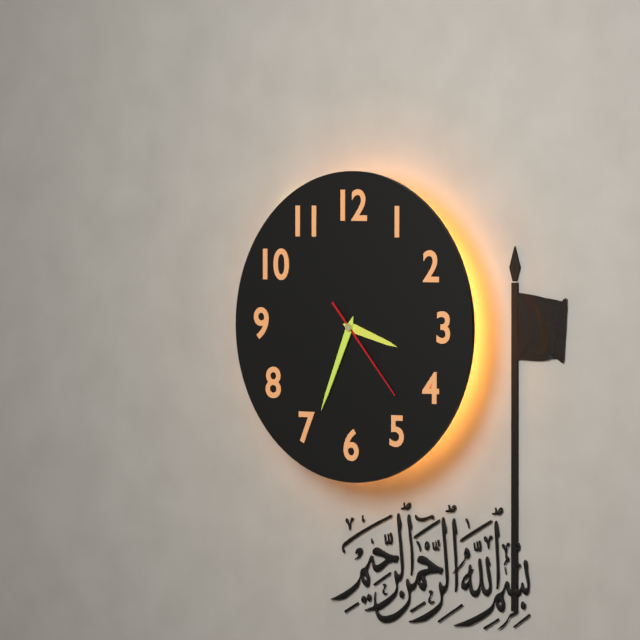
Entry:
h=3 m=34 s=23
